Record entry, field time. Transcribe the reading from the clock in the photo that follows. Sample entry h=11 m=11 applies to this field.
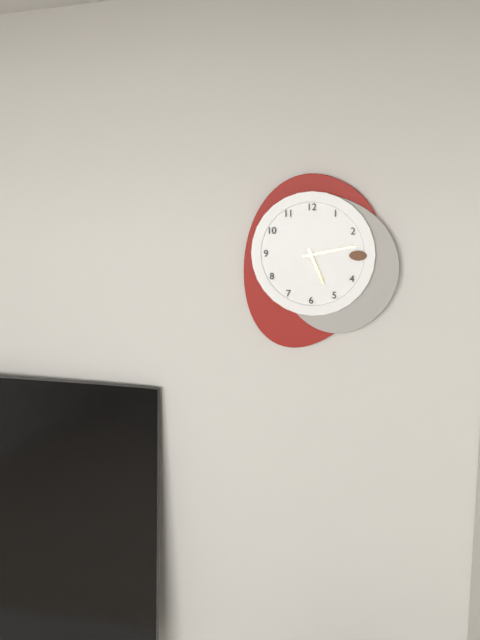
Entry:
h=5 m=13
